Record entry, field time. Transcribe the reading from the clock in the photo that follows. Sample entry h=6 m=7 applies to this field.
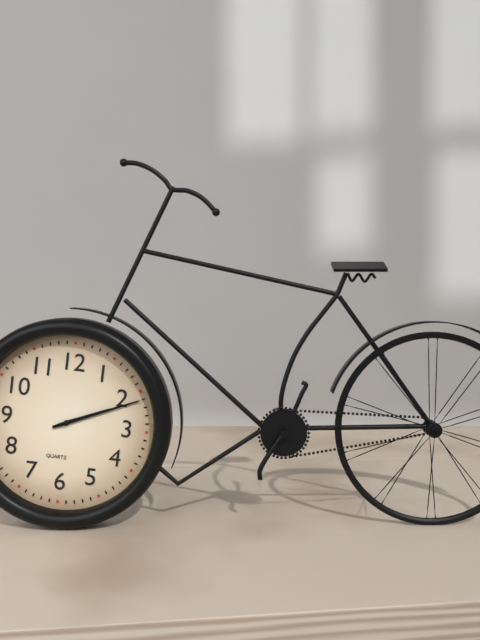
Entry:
h=2 m=11
